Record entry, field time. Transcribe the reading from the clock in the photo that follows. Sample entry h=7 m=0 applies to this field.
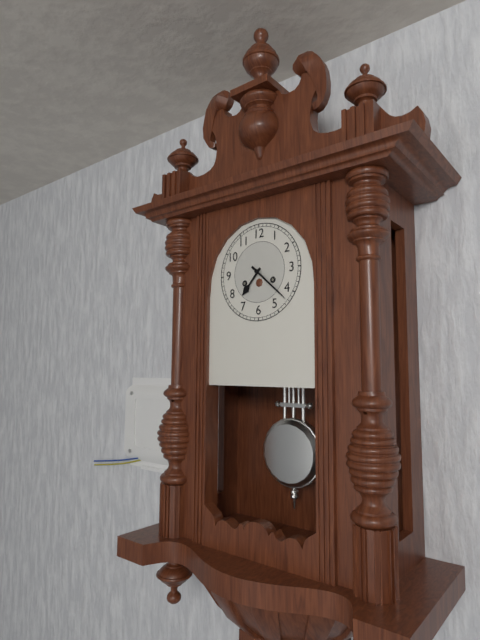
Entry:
h=7 m=22
